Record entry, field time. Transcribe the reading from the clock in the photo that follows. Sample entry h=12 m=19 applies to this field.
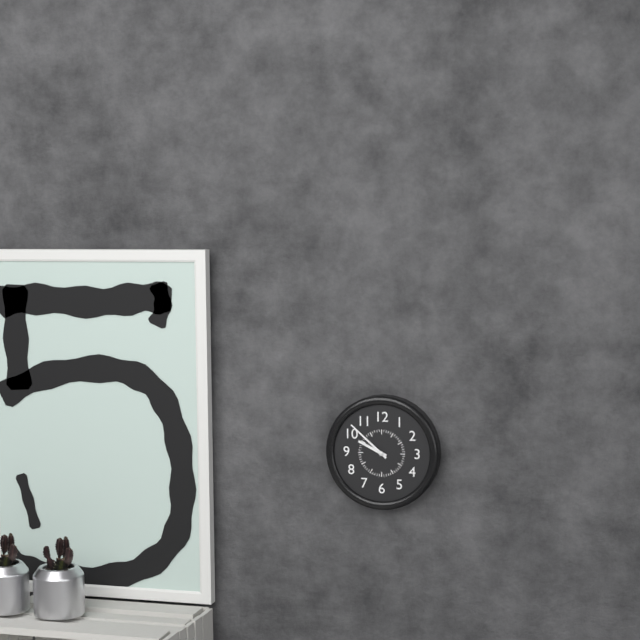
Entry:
h=9 m=52
